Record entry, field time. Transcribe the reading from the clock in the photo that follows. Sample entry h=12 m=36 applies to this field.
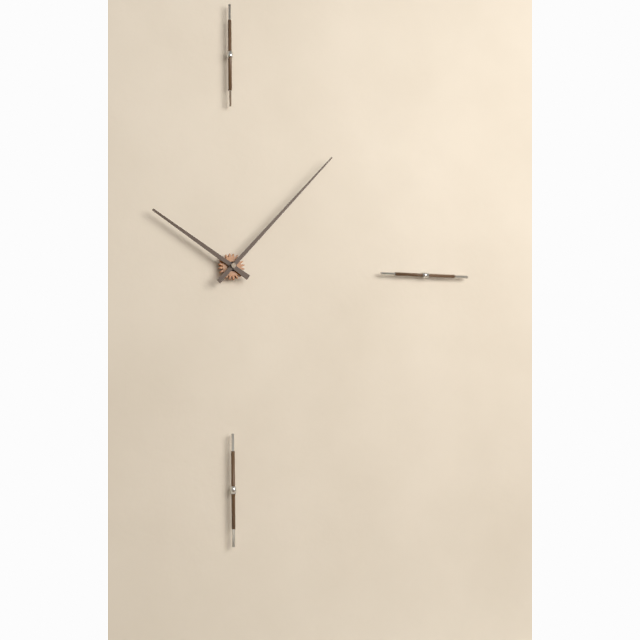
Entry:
h=10 m=7
